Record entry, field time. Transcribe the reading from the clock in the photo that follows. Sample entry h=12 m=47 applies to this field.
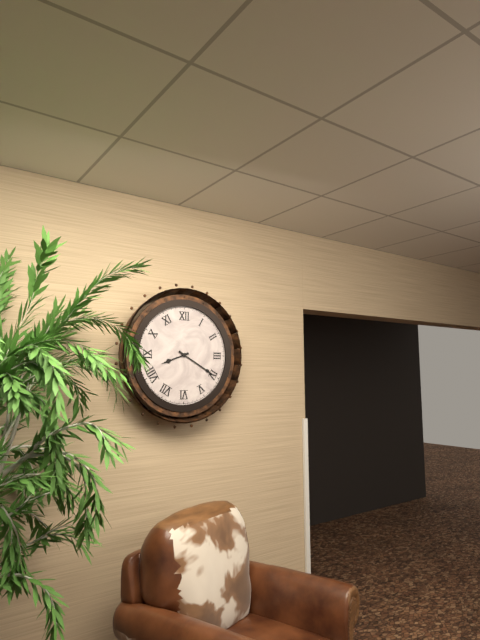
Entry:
h=8 m=20
